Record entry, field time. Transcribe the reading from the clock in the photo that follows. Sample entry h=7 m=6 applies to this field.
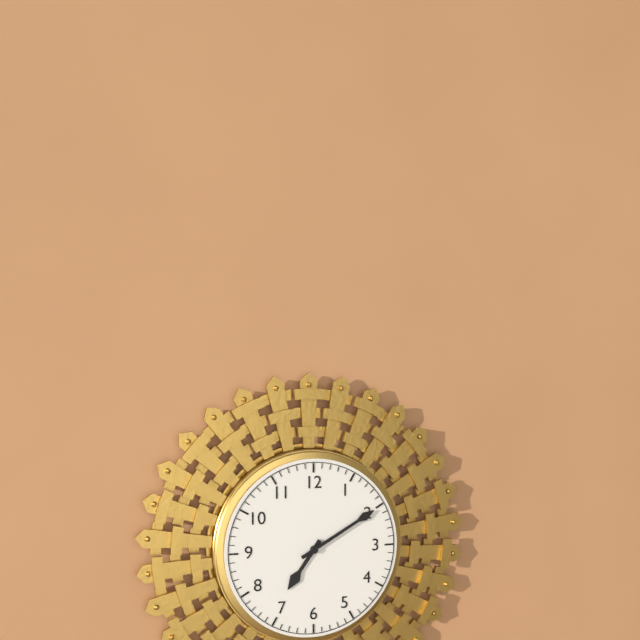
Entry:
h=7 m=10
